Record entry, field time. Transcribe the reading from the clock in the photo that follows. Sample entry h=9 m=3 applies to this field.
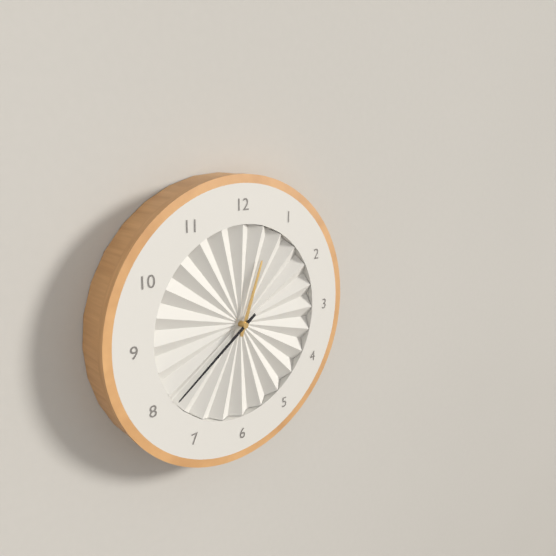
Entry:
h=12 m=39
